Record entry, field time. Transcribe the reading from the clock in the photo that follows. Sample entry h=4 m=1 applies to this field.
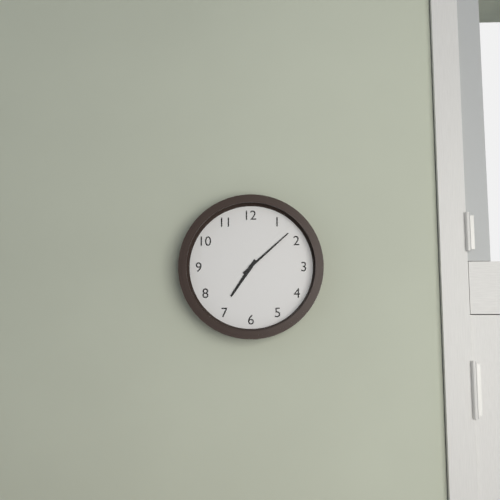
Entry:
h=7 m=8
